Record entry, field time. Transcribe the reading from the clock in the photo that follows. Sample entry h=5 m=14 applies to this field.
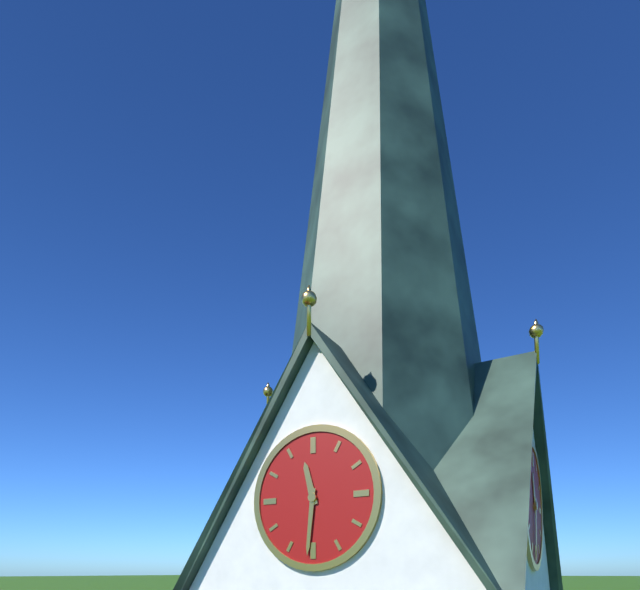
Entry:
h=11 m=31
